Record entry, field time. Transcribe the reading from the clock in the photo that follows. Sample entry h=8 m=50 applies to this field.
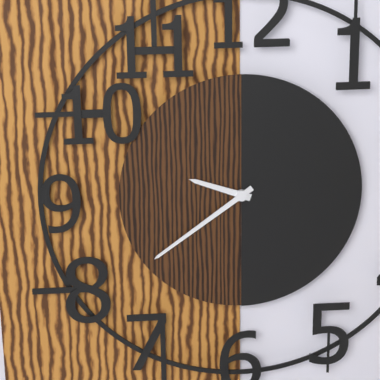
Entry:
h=9 m=39
